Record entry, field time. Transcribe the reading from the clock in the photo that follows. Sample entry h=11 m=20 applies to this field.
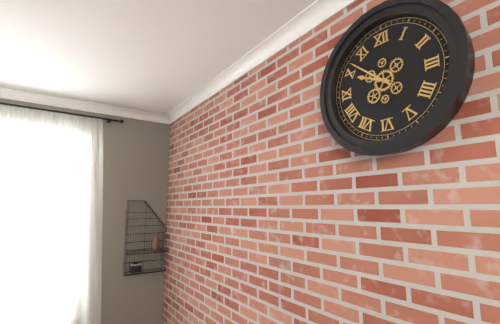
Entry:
h=9 m=52
